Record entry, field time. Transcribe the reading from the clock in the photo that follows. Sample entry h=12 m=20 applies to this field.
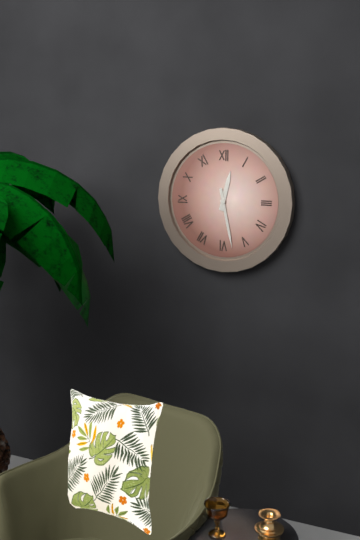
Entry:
h=12 m=28
